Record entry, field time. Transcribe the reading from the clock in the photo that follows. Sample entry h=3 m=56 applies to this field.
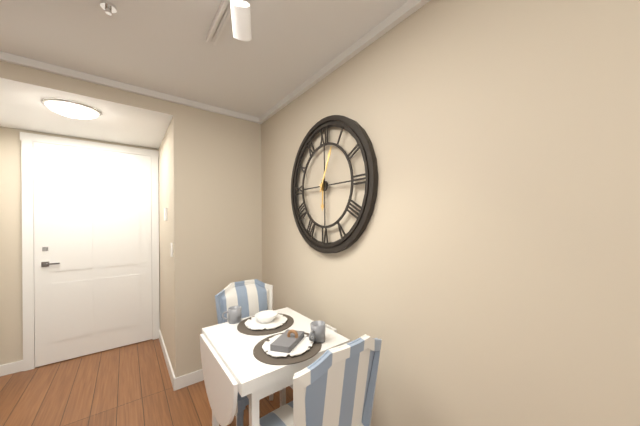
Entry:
h=6 m=4
